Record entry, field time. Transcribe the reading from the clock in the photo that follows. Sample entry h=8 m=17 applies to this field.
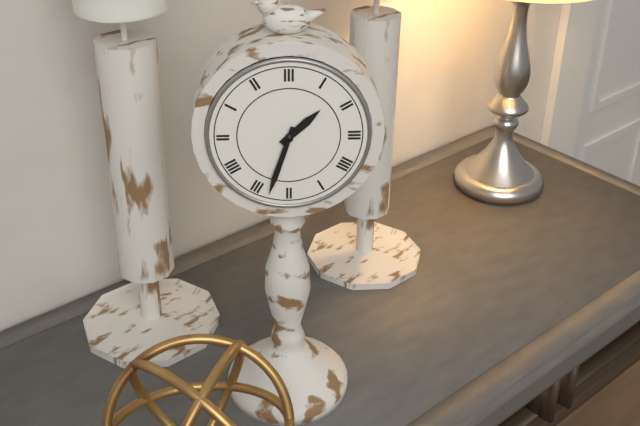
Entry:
h=1 m=33
